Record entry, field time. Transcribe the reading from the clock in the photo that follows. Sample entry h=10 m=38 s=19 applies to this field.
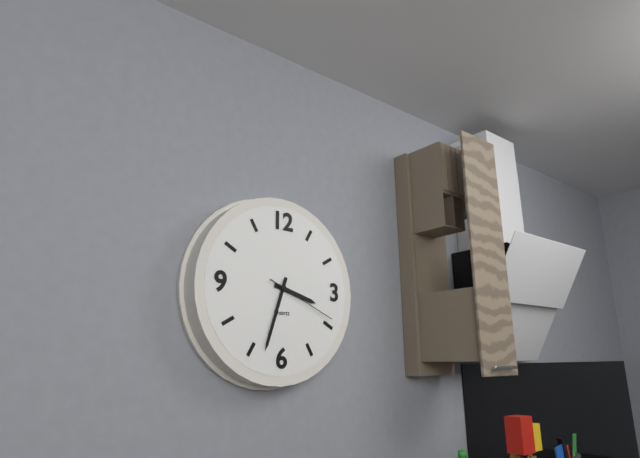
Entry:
h=3 m=33 s=19
